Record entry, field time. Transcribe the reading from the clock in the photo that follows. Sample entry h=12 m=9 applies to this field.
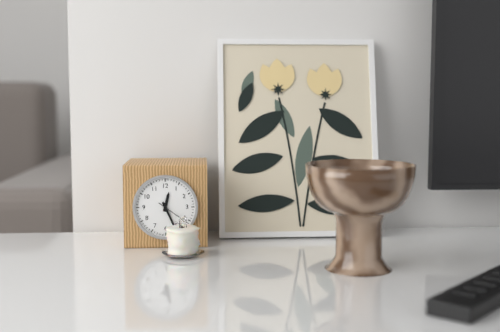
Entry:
h=12 m=26
